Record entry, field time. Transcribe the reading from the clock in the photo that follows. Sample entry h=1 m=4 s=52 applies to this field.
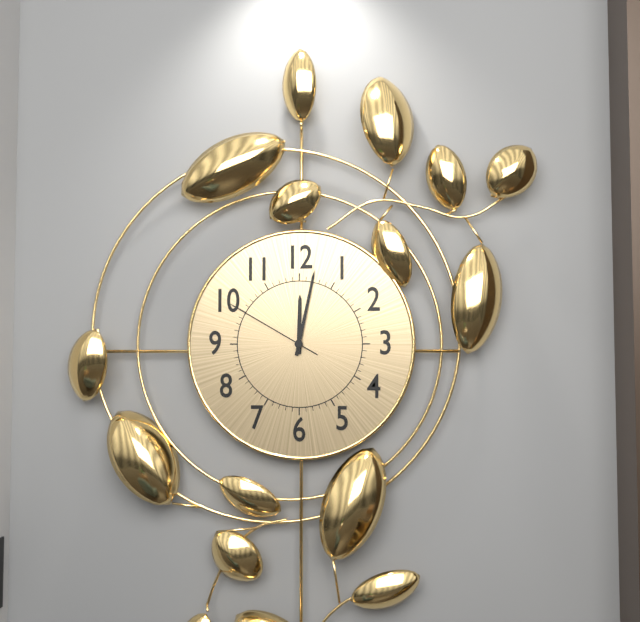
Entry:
h=12 m=2 s=50
